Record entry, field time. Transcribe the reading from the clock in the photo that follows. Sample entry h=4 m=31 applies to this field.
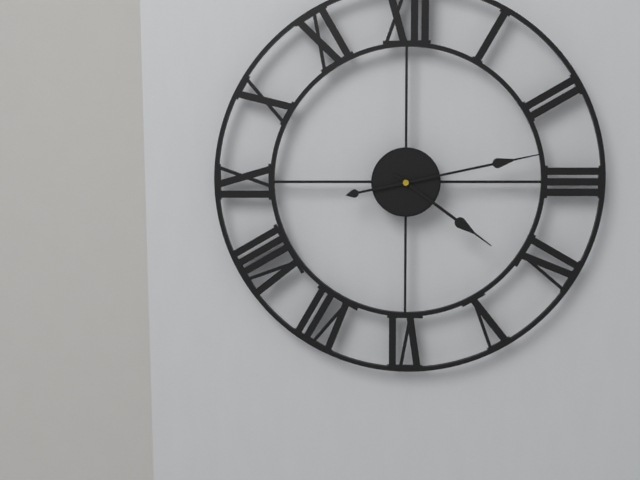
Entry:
h=4 m=13
